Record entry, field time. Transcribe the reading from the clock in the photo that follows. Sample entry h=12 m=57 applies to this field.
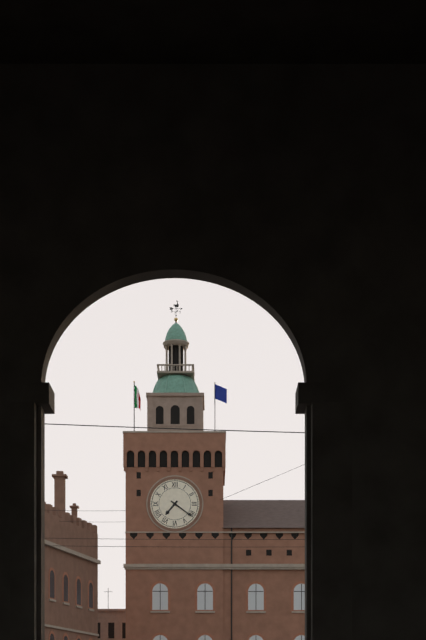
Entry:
h=7 m=21
